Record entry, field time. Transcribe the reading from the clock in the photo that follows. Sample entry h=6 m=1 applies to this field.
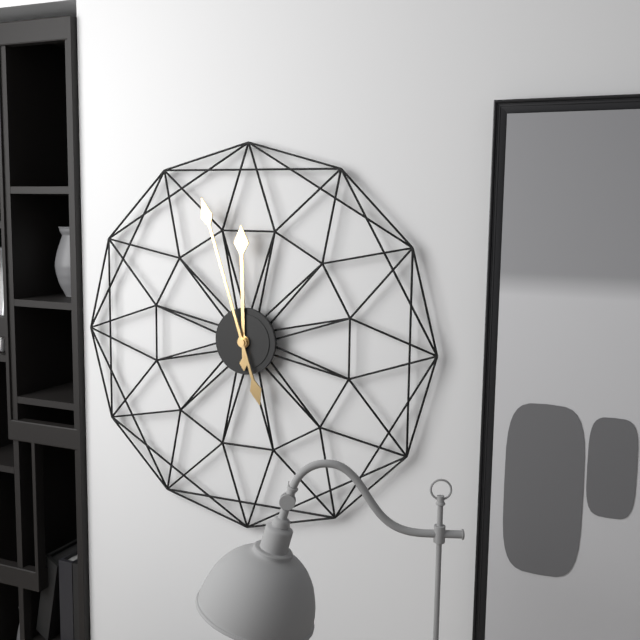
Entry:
h=11 m=57
